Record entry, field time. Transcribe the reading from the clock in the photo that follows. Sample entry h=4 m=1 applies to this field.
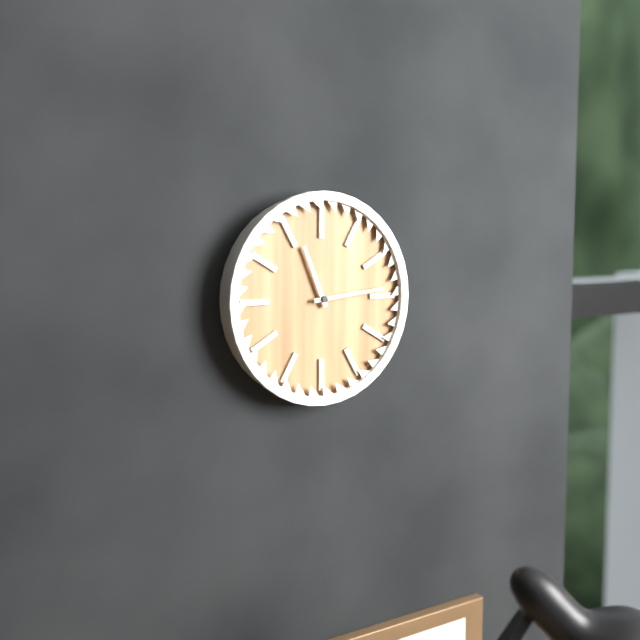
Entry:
h=11 m=14
